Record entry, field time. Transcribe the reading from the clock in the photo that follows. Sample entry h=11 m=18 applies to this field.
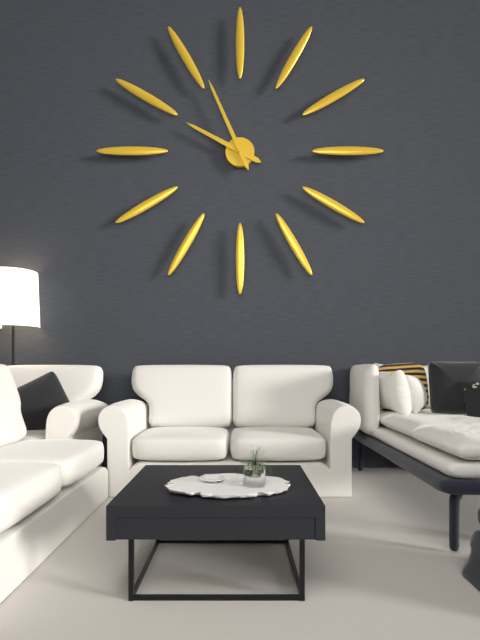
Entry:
h=9 m=56
